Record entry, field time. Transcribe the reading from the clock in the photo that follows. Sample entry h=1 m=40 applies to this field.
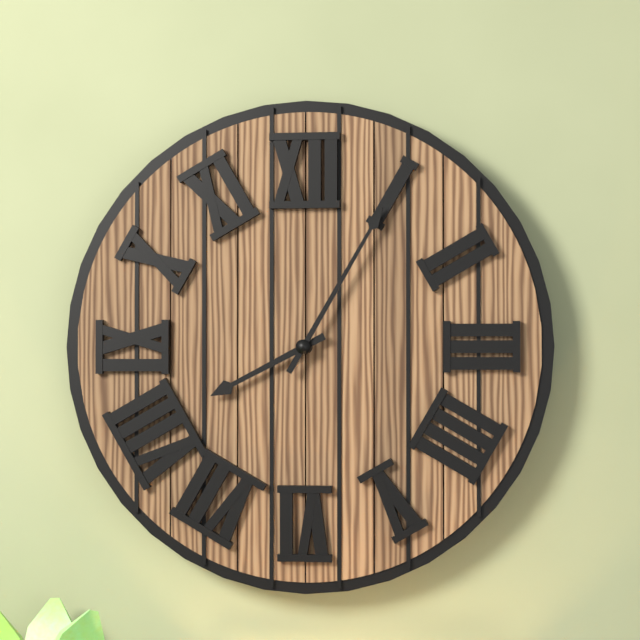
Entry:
h=8 m=5
